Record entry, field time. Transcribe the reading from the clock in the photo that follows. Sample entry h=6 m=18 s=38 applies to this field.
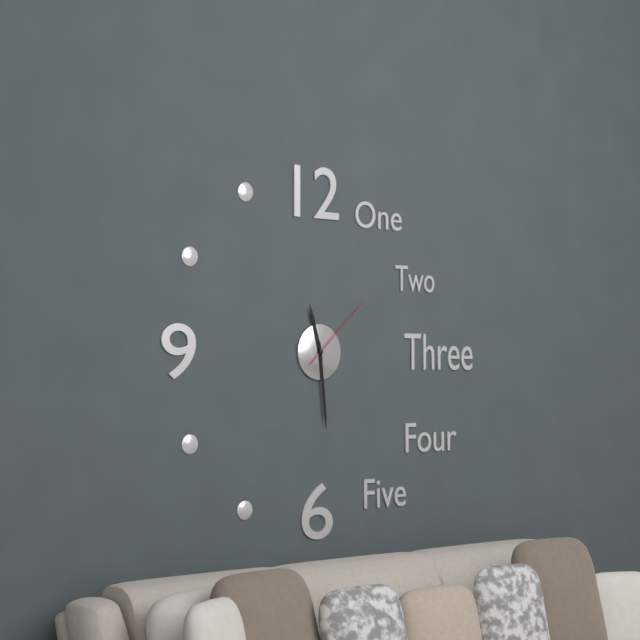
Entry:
h=11 m=29 s=8
